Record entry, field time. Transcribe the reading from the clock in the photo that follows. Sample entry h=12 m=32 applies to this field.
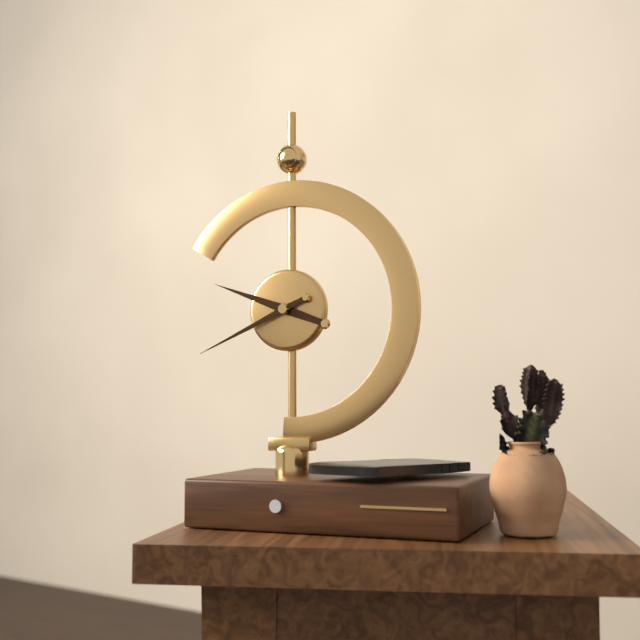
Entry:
h=9 m=41
